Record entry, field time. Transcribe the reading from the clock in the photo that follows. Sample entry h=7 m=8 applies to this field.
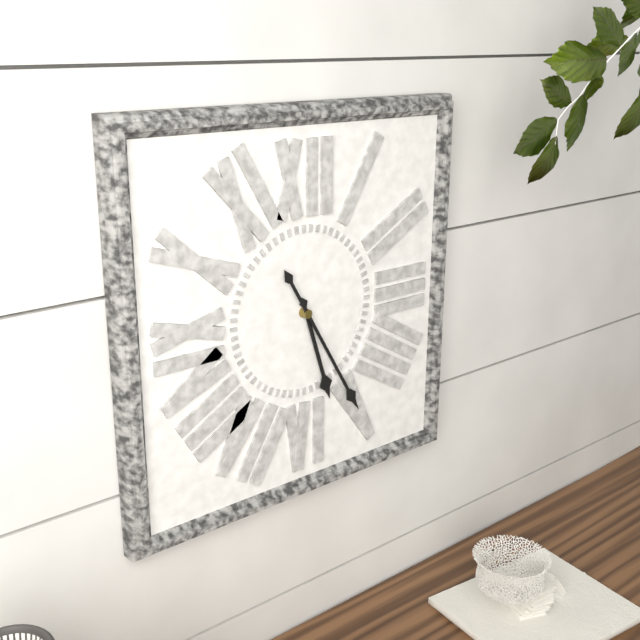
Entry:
h=5 m=25
